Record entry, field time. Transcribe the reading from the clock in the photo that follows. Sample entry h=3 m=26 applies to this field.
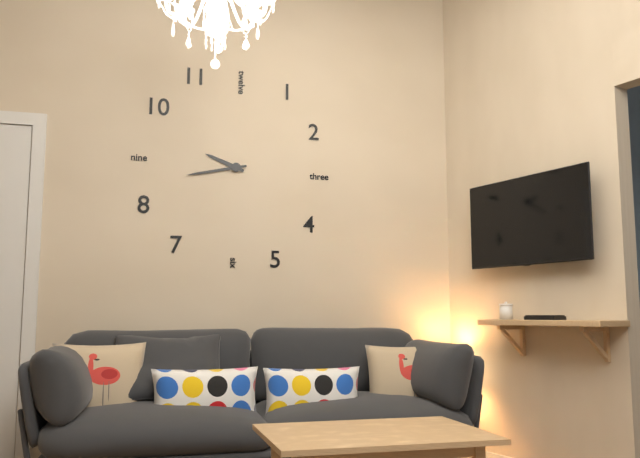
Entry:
h=9 m=43
